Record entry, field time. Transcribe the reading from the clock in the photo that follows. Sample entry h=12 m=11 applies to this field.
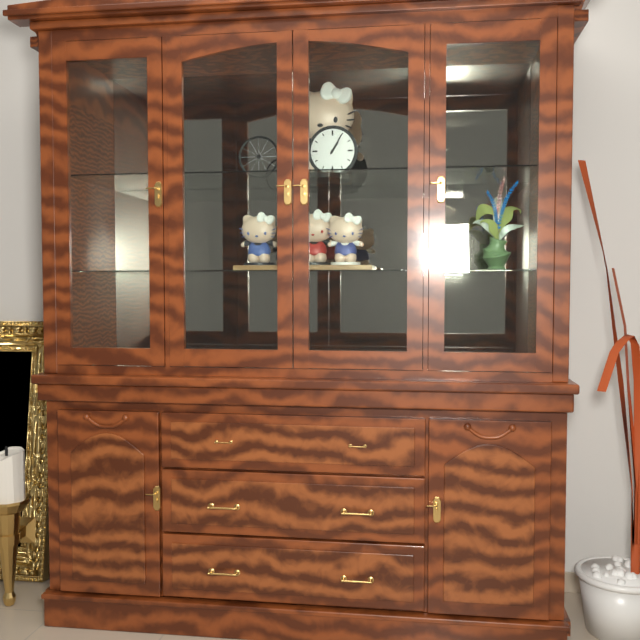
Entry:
h=1 m=5
